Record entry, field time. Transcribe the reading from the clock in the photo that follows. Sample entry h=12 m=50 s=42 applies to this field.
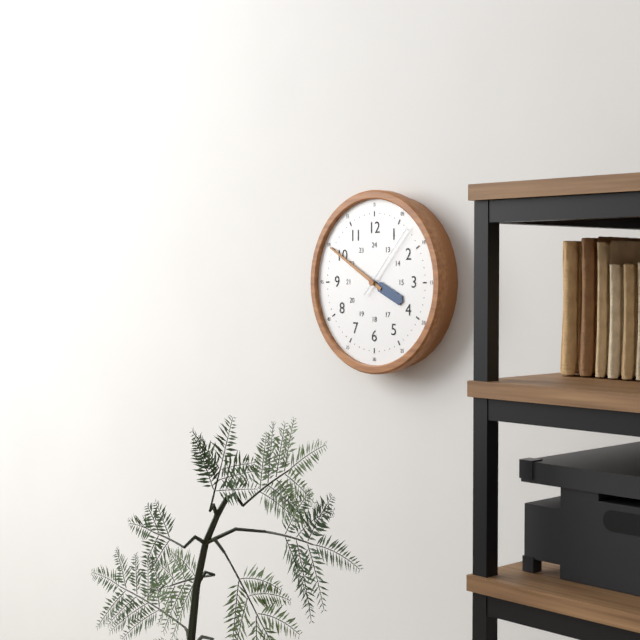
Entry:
h=3 m=50 s=7
